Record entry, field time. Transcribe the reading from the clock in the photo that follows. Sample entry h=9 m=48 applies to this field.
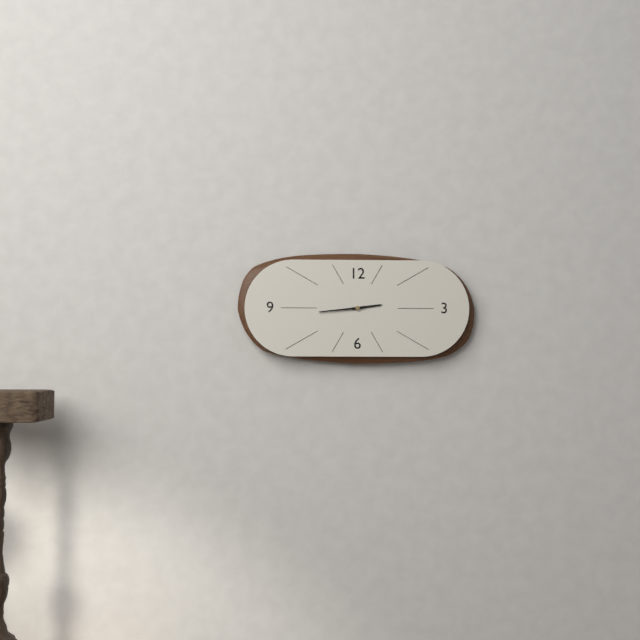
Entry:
h=2 m=44
